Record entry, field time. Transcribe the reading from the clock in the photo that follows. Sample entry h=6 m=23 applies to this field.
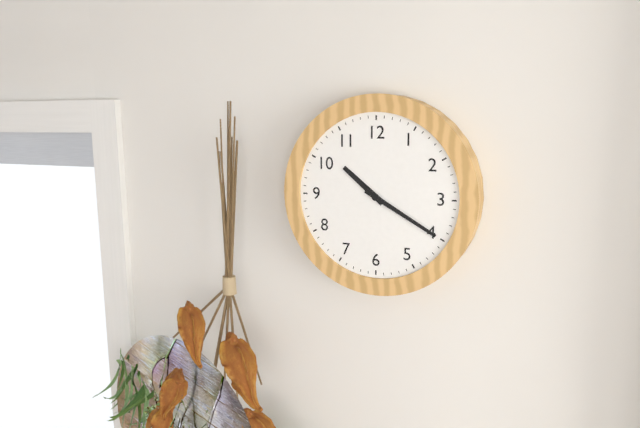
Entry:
h=10 m=20
